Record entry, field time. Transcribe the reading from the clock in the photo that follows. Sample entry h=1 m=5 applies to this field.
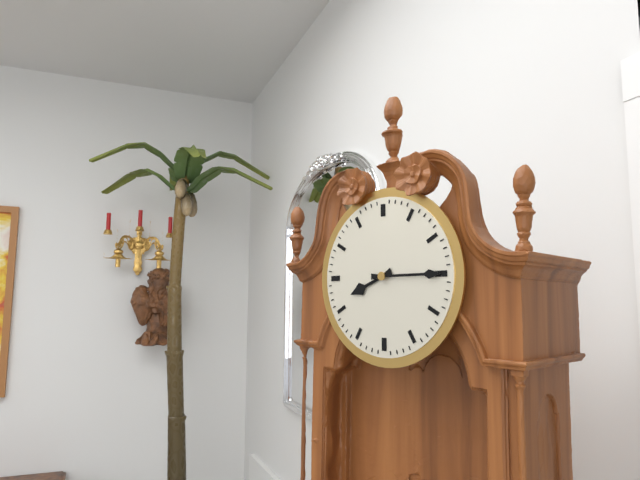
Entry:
h=8 m=15
